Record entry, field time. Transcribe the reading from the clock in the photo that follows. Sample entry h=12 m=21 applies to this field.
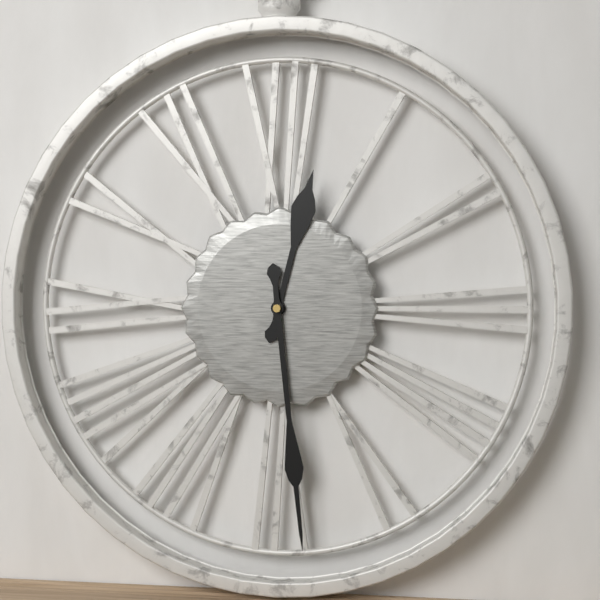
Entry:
h=12 m=29
